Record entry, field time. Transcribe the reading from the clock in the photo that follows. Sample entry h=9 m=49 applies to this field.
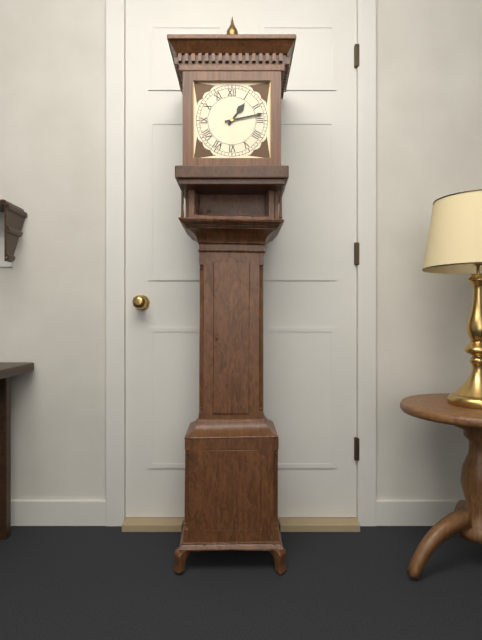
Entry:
h=1 m=13
